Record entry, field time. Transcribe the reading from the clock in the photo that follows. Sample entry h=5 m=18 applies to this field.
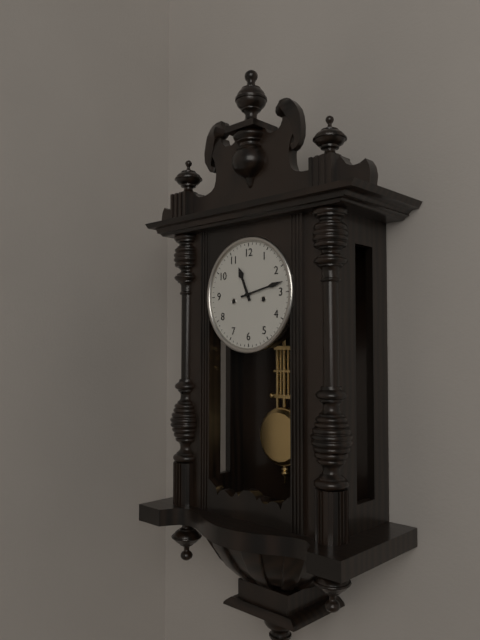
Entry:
h=11 m=13
